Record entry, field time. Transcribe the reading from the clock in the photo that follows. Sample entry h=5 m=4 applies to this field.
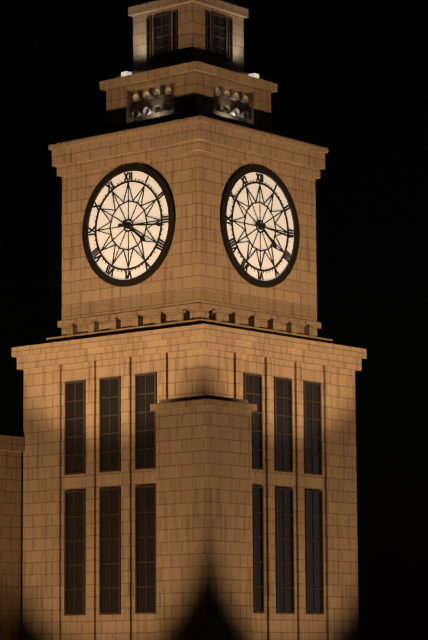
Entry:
h=4 m=16
